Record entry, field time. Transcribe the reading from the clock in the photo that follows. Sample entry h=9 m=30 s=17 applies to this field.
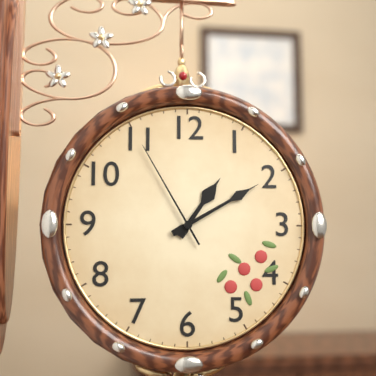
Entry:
h=1 m=10 s=55
